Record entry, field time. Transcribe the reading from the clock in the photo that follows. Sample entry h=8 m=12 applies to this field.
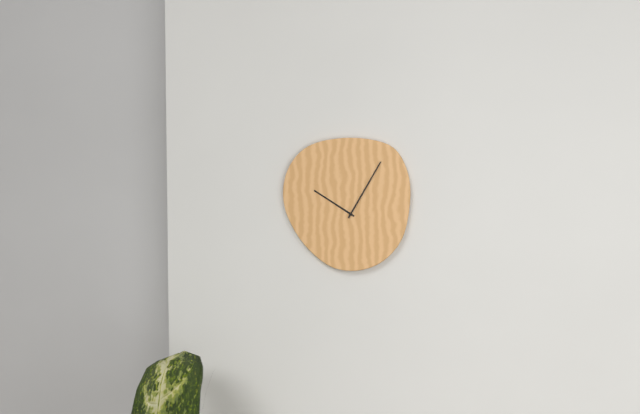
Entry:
h=10 m=5
